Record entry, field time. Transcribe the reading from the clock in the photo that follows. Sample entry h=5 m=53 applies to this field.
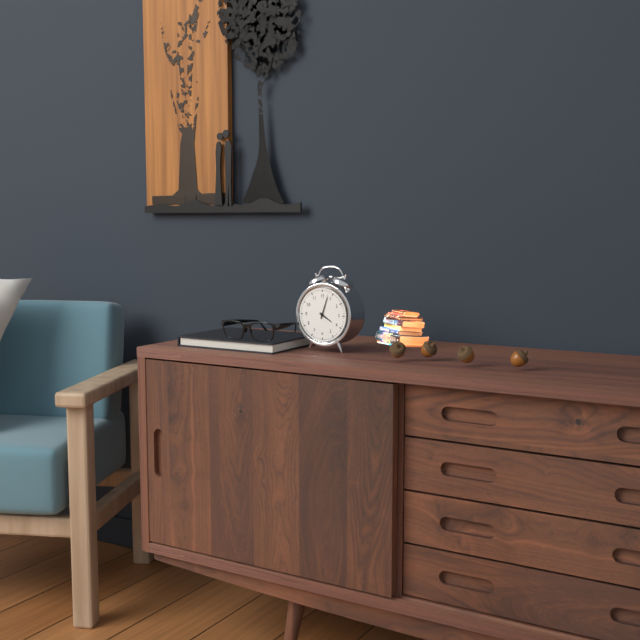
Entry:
h=4 m=3
